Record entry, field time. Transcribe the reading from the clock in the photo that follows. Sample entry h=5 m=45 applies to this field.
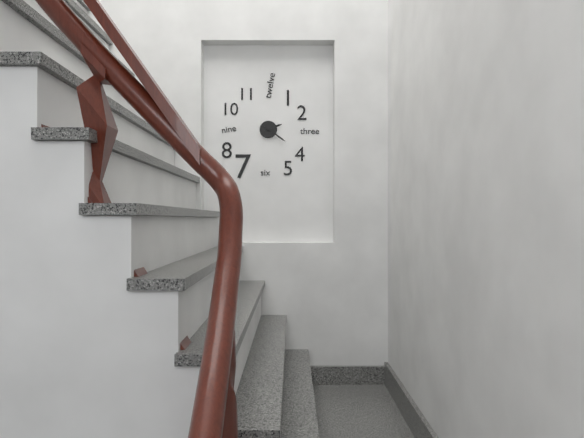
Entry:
h=2 m=21
